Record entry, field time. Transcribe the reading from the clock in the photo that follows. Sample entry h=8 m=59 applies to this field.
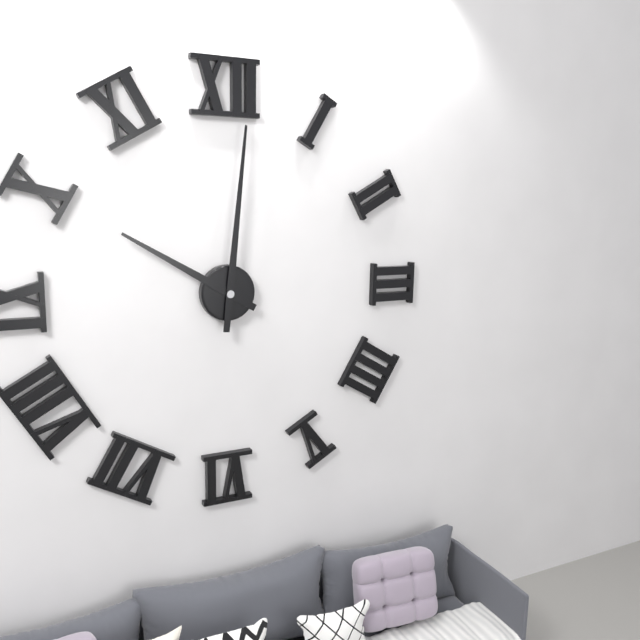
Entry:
h=10 m=1
